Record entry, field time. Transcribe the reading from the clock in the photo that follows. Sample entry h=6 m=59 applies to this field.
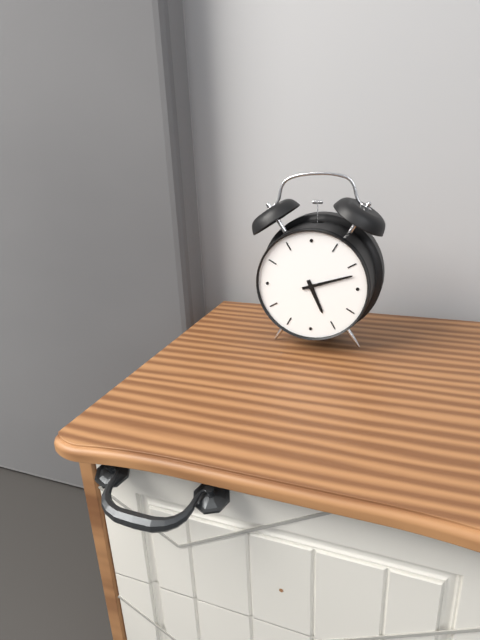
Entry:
h=5 m=12
